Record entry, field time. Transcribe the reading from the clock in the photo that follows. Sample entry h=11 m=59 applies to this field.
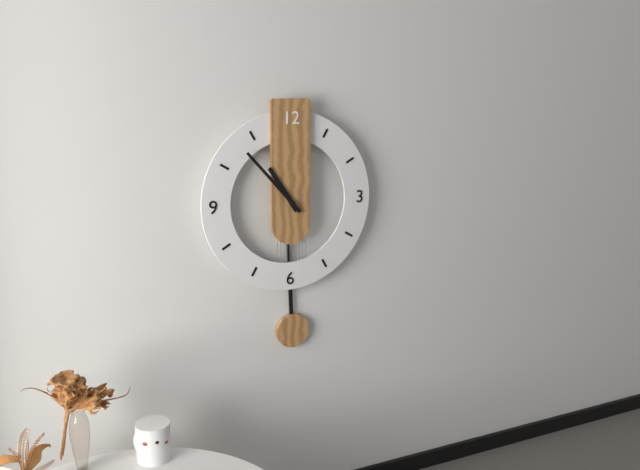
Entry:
h=10 m=53
